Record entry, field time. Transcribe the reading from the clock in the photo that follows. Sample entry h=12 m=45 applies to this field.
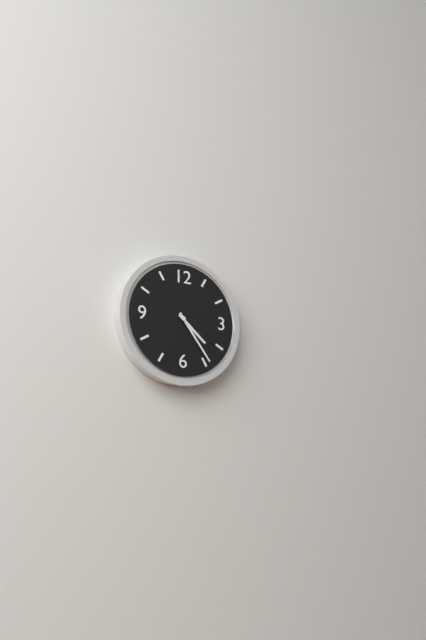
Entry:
h=4 m=24
